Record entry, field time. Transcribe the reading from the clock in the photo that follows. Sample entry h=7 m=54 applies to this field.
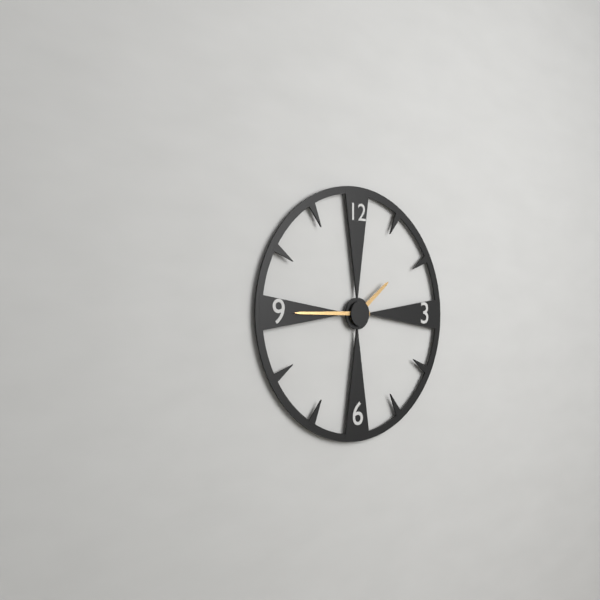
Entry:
h=1 m=45
